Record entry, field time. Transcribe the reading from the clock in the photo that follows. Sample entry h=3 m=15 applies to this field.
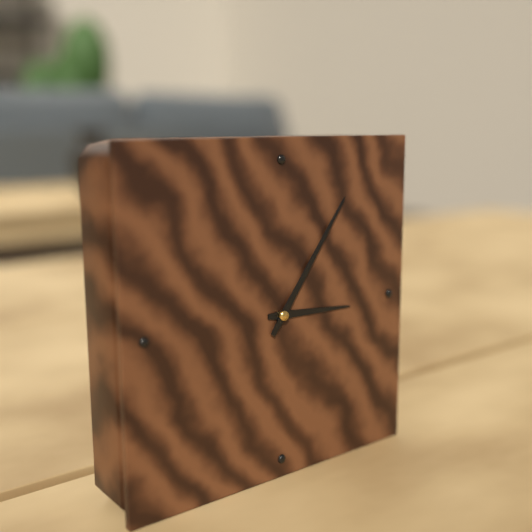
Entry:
h=3 m=6
